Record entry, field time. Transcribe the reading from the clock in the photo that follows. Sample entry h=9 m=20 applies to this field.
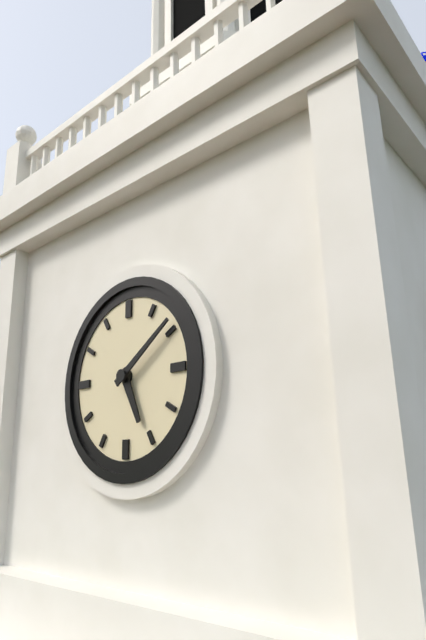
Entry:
h=5 m=9
